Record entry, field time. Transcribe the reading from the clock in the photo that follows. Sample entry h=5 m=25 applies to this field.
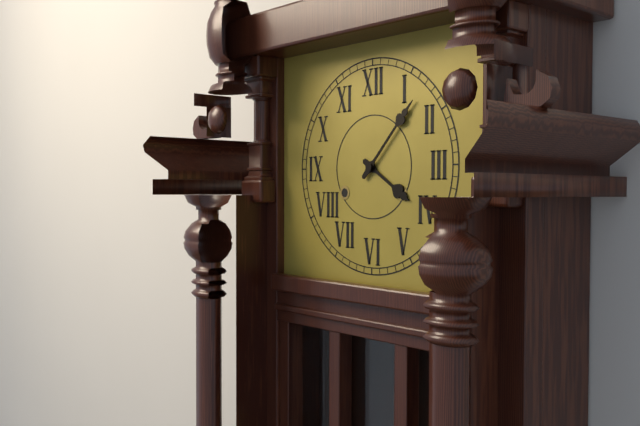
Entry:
h=4 m=7
